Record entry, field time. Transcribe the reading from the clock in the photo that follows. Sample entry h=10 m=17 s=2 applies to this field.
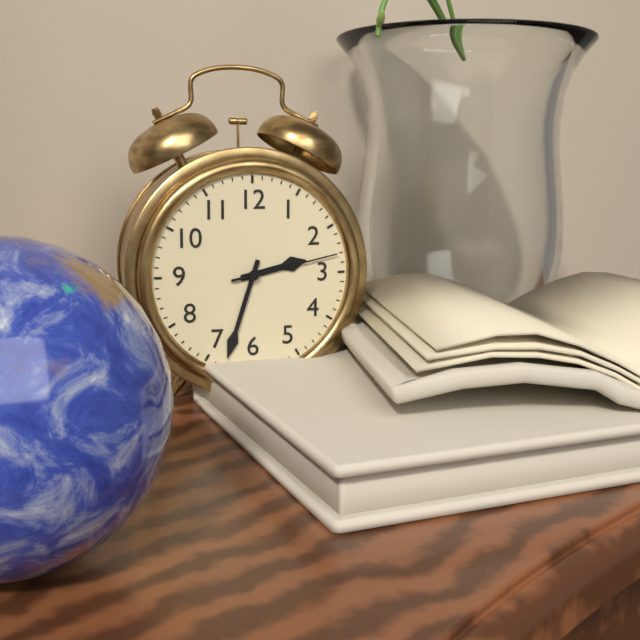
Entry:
h=2 m=33 s=13
